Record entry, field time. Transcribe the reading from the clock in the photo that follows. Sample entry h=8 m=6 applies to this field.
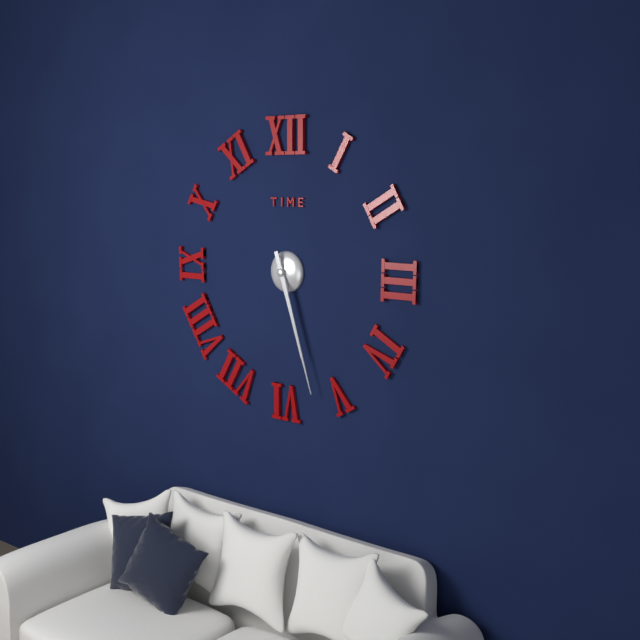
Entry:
h=5 m=27
